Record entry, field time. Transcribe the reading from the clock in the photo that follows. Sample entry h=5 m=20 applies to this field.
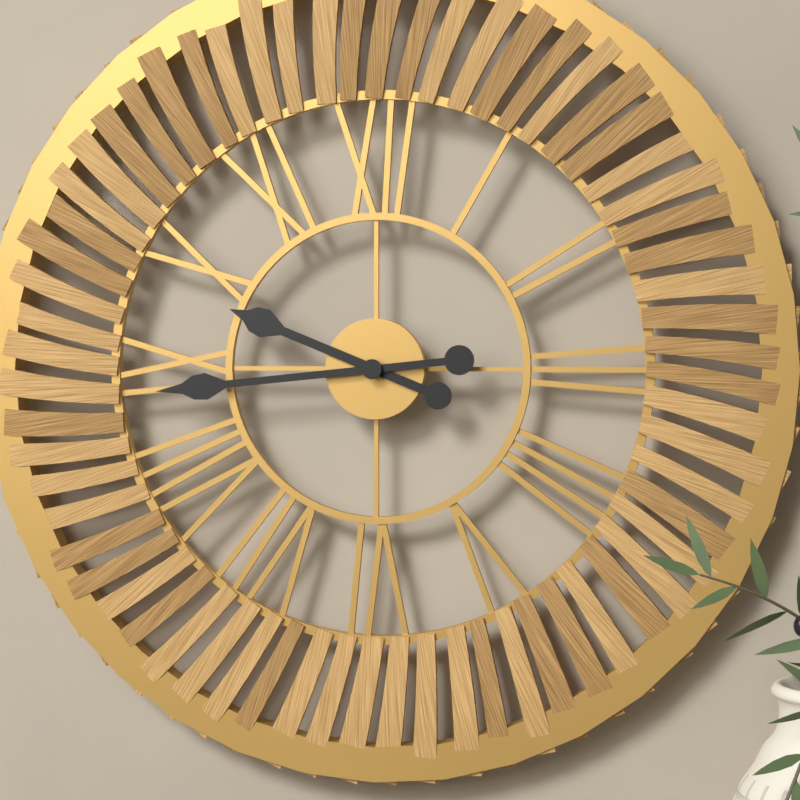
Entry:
h=9 m=44
